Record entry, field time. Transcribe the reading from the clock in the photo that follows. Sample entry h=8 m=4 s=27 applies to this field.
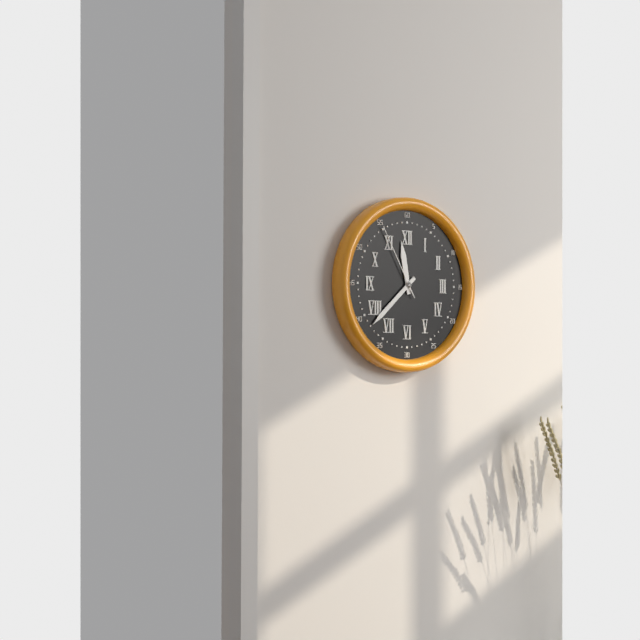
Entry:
h=11 m=38 s=55
